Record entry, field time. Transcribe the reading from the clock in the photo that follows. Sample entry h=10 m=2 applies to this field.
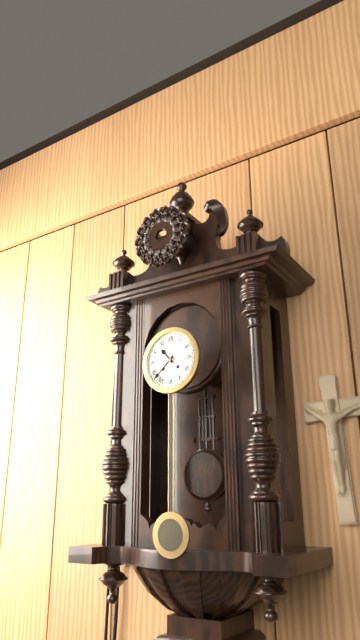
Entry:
h=10 m=38
